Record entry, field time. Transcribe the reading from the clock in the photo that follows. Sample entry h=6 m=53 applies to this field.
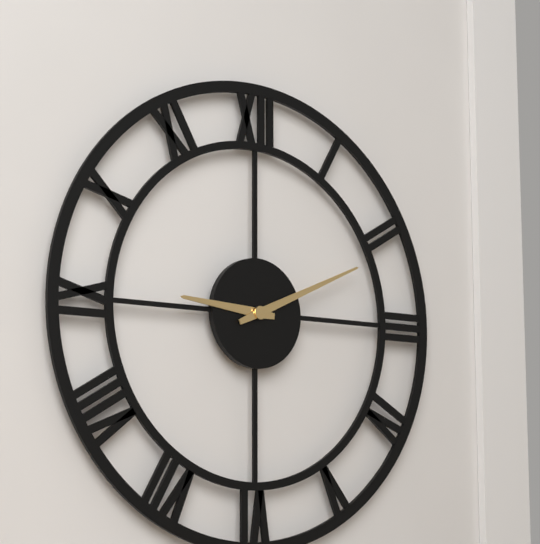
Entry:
h=9 m=11
